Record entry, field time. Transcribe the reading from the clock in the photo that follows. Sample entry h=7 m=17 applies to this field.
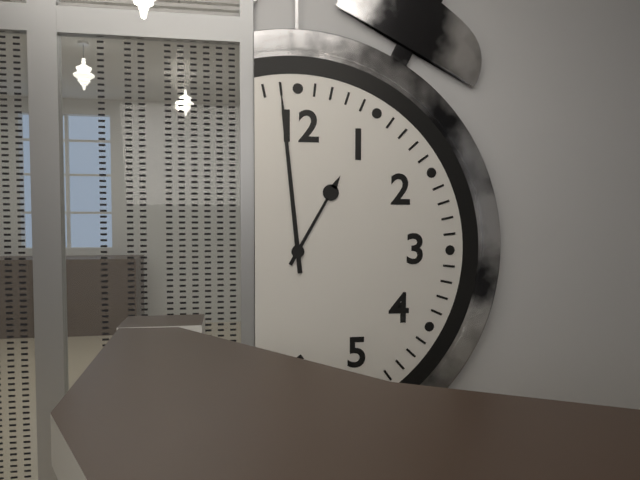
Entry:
h=12 m=59
